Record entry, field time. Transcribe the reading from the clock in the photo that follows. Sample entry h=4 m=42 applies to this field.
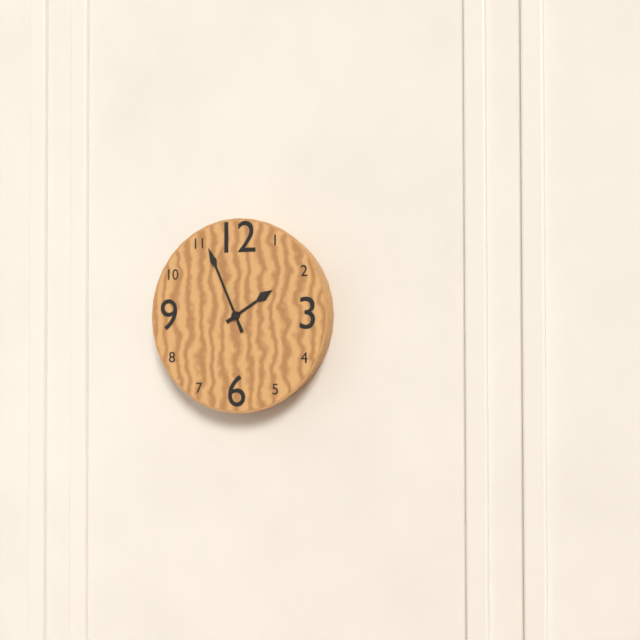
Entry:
h=1 m=56
